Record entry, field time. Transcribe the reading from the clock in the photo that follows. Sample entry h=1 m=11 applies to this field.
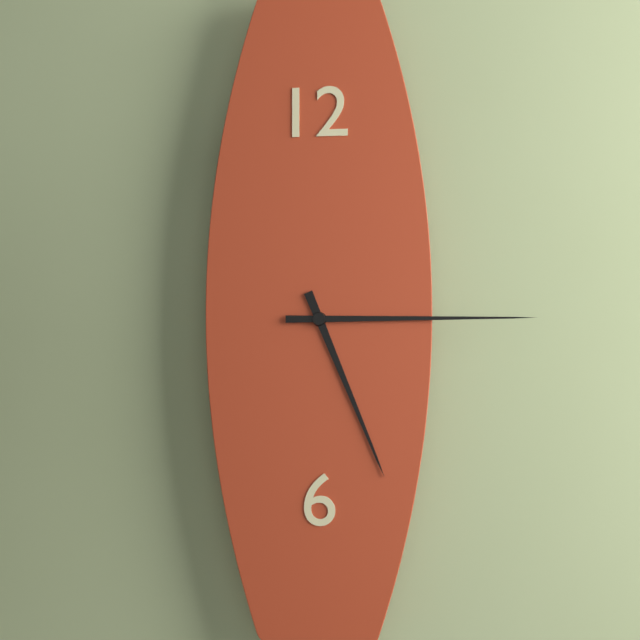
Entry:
h=5 m=15
